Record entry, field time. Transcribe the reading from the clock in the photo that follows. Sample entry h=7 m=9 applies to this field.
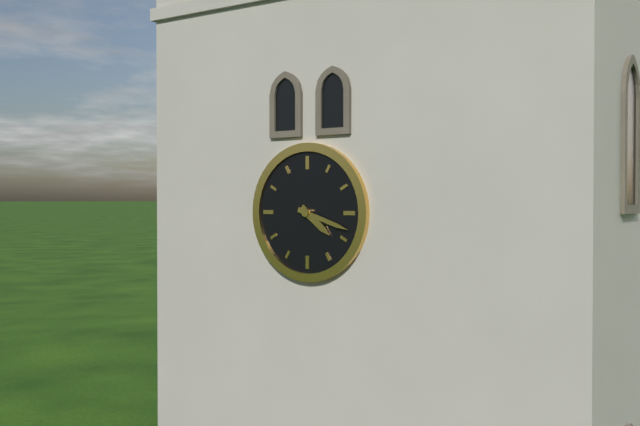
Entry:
h=4 m=18
